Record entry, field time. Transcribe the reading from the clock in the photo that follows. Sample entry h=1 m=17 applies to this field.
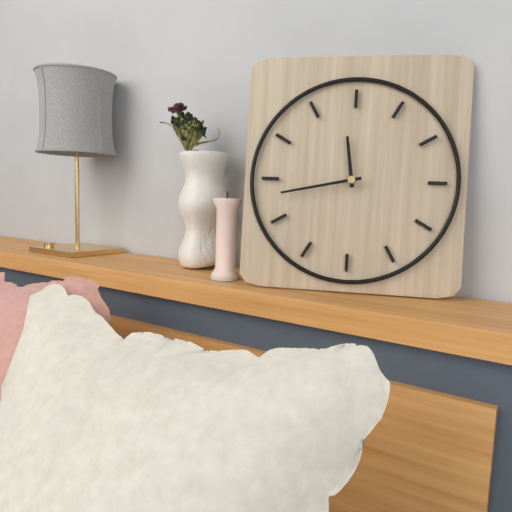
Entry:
h=11 m=43
